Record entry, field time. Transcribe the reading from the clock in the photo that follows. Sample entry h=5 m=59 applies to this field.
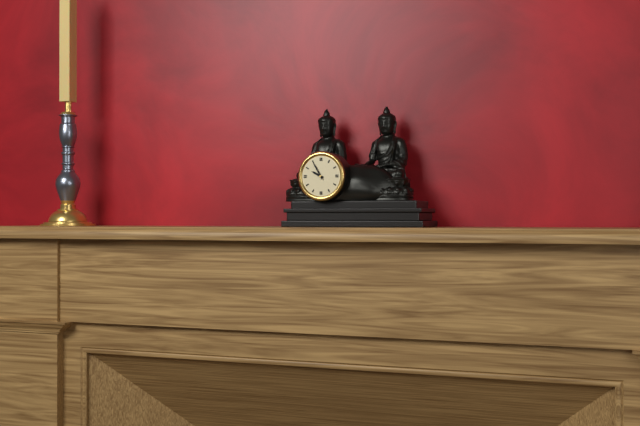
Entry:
h=9 m=55
